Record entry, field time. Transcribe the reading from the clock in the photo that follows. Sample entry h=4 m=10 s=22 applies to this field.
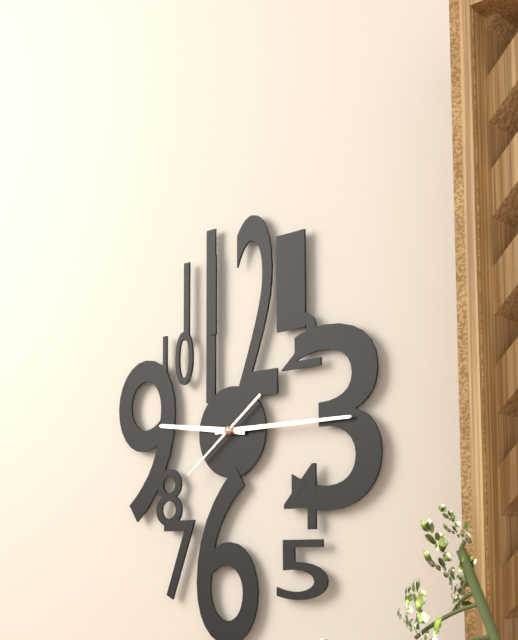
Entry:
h=9 m=15 s=39
